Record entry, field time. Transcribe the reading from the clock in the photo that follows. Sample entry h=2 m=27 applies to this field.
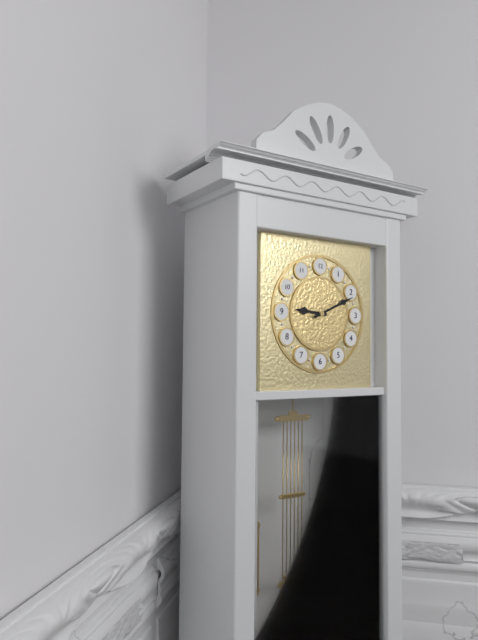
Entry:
h=9 m=11
